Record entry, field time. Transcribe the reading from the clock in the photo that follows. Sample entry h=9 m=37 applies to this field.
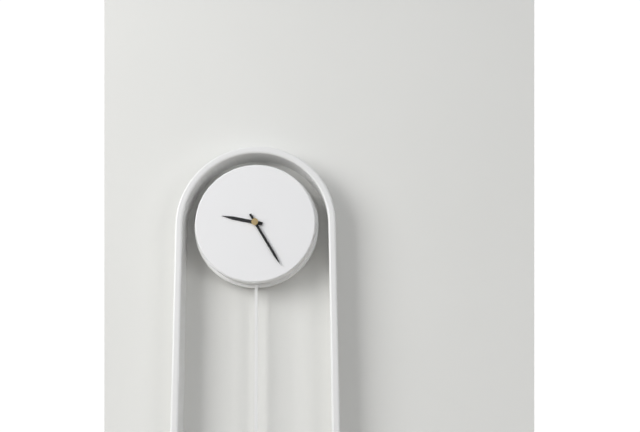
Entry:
h=9 m=25
